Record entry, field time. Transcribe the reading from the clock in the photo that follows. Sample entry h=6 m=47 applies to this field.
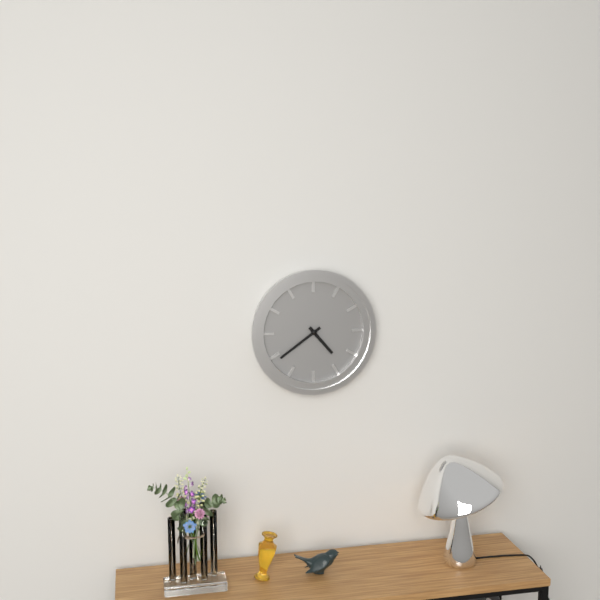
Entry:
h=4 m=39
